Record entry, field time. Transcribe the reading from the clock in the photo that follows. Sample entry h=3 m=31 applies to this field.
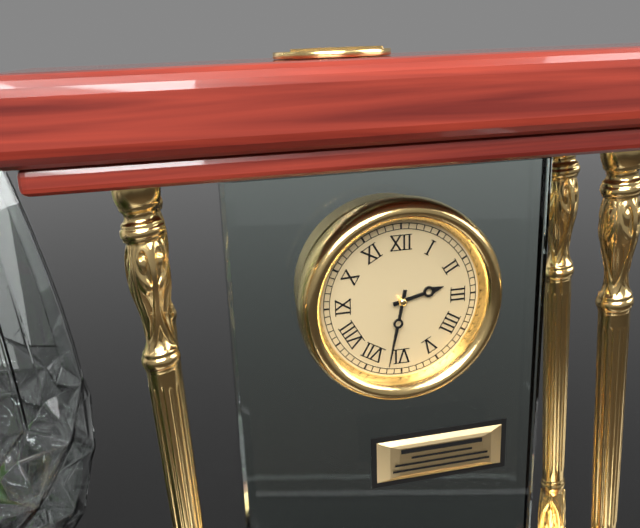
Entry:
h=2 m=32
